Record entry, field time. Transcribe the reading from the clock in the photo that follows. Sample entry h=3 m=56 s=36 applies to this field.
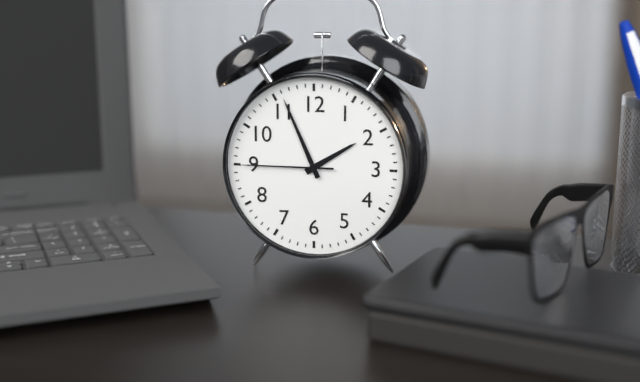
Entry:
h=1 m=56 s=45
